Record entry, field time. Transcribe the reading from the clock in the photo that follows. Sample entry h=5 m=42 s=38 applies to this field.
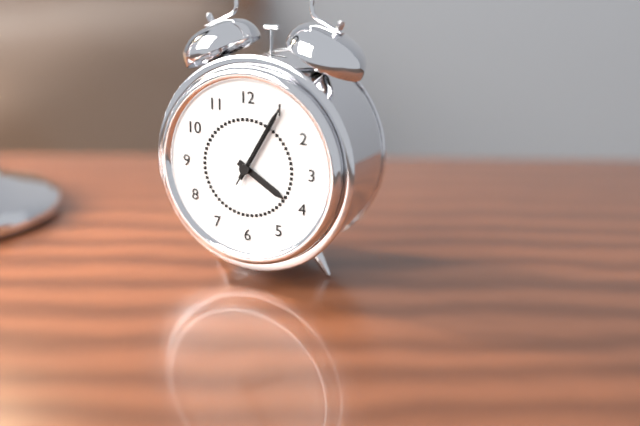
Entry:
h=4 m=5 s=5
